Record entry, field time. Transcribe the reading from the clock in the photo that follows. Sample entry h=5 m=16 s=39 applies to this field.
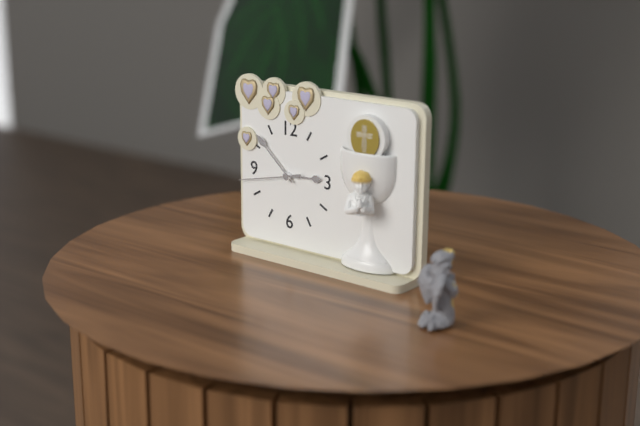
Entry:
h=2 m=52 s=43
